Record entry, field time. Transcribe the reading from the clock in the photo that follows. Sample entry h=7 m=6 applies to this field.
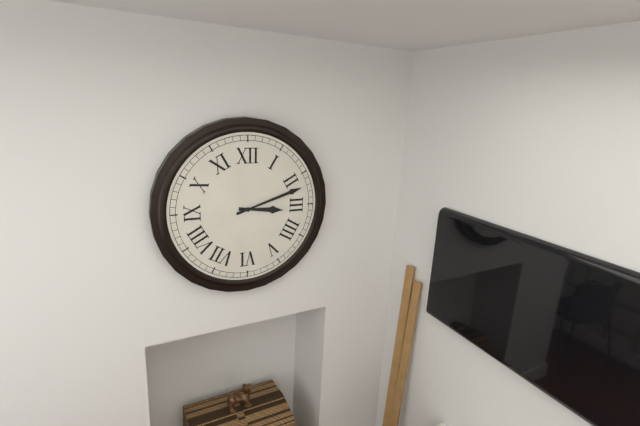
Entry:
h=3 m=12
